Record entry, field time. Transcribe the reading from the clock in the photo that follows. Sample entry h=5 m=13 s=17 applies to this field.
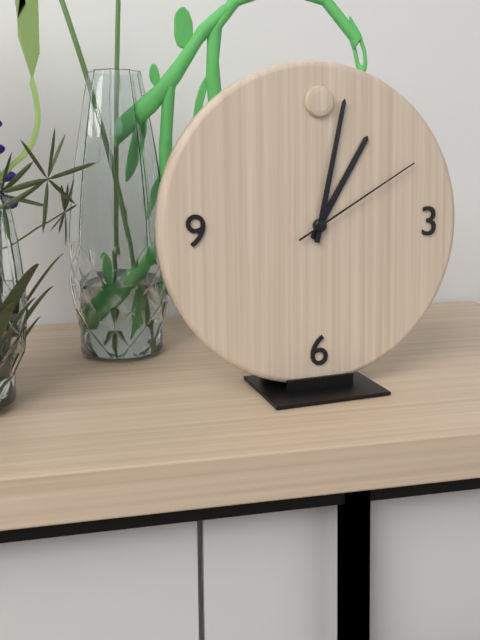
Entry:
h=1 m=2 s=10
